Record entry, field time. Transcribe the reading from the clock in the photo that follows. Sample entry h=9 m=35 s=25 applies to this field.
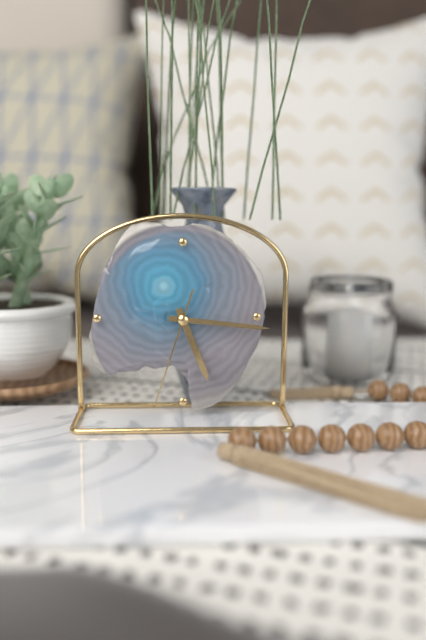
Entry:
h=5 m=16 s=33
